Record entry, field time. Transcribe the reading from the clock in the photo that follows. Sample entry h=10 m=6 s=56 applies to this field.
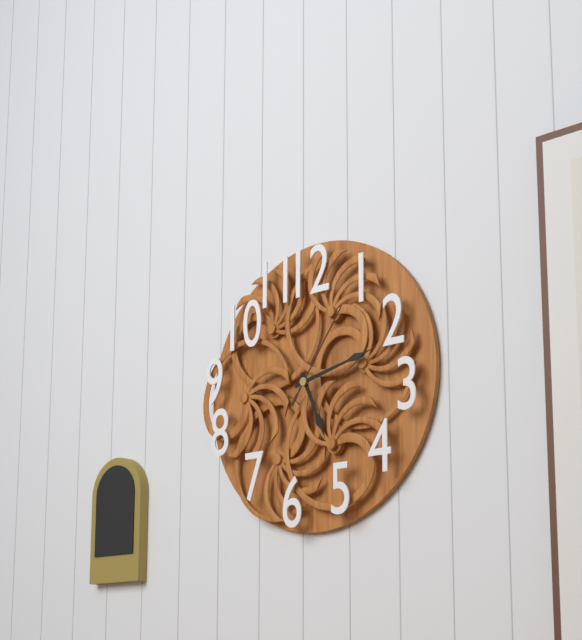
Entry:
h=5 m=13 s=6
